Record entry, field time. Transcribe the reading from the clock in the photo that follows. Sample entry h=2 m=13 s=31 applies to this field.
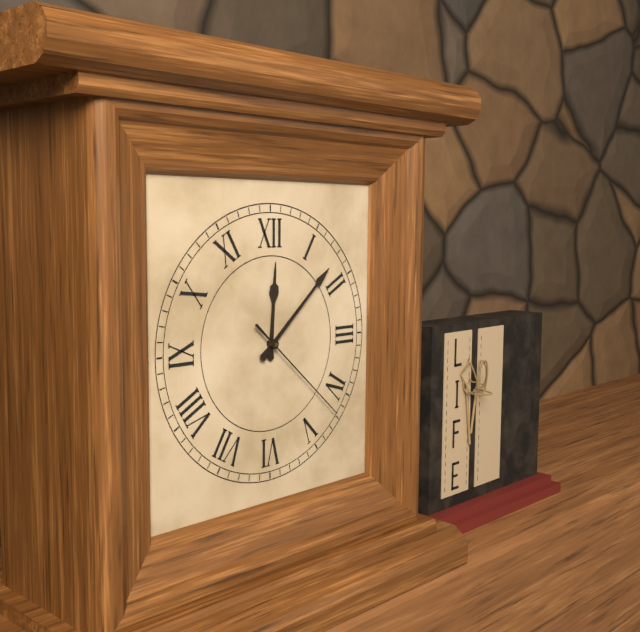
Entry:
h=12 m=8 s=22
